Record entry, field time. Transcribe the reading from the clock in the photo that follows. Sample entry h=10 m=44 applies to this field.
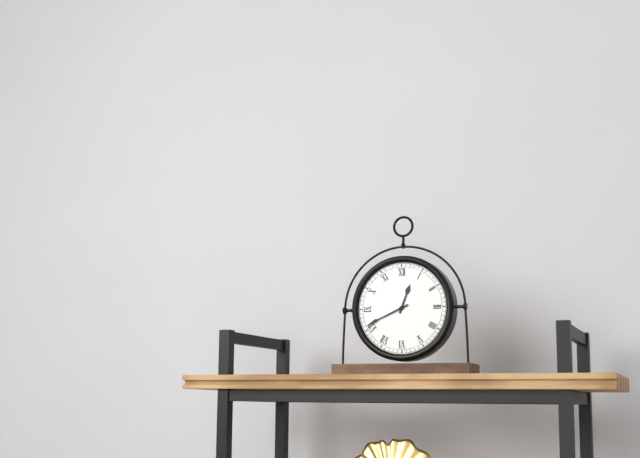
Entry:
h=12 m=41
